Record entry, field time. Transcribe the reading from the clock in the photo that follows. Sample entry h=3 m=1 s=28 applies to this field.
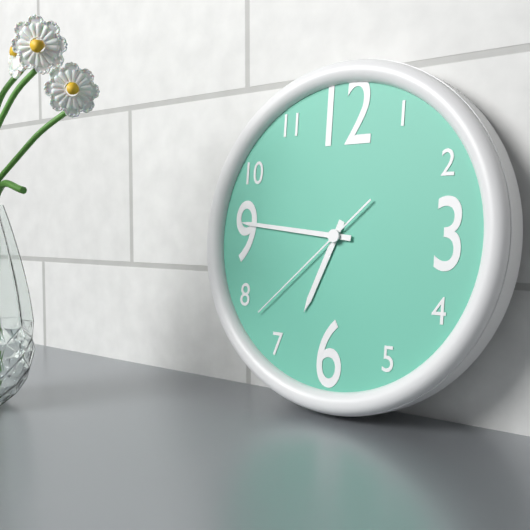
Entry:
h=6 m=46 s=38
